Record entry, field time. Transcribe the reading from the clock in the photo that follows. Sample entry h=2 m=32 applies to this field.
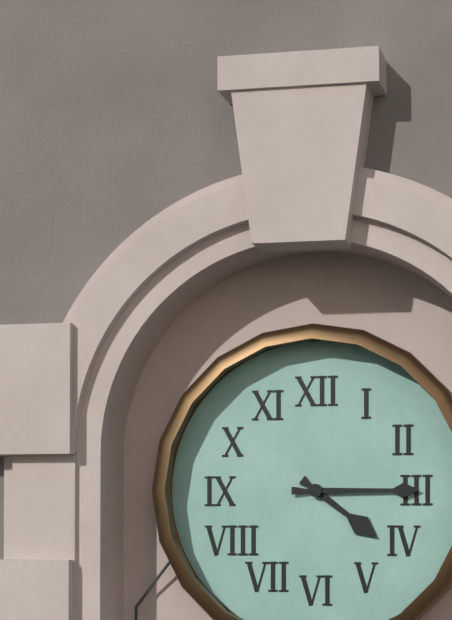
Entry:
h=4 m=15
